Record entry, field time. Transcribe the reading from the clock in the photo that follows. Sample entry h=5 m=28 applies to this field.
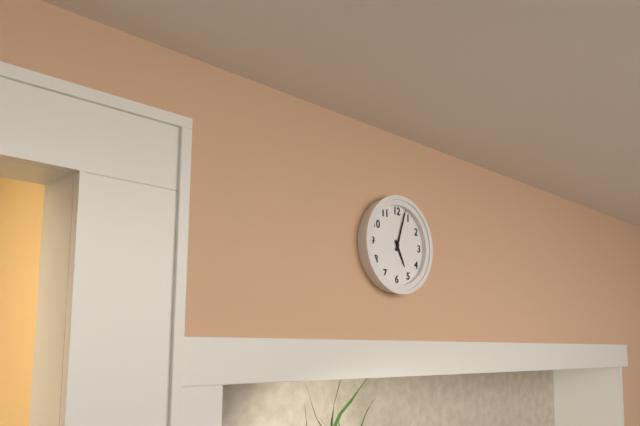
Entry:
h=5 m=3
